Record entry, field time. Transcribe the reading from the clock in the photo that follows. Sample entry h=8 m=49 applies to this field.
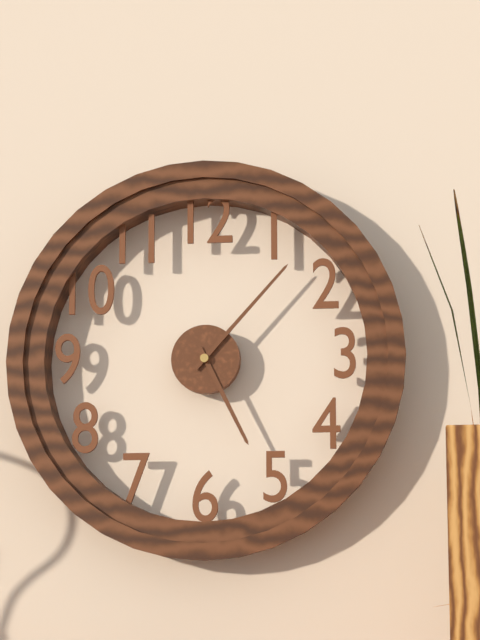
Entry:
h=5 m=7
